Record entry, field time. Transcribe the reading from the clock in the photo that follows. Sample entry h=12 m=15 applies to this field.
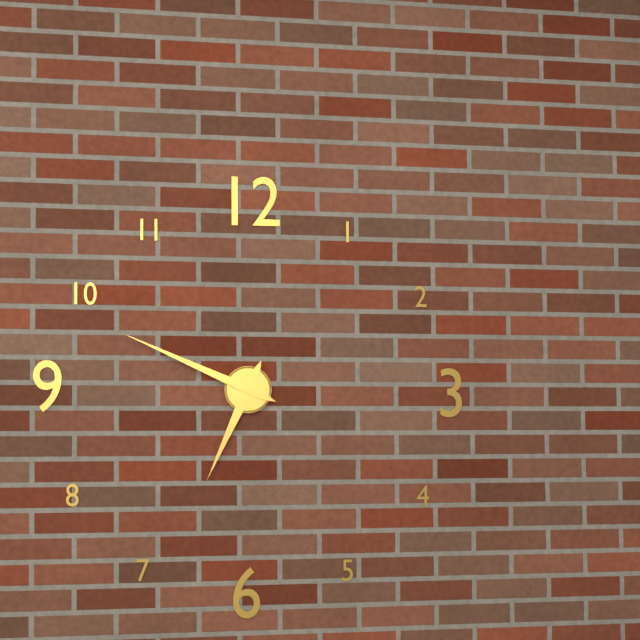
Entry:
h=6 m=49
